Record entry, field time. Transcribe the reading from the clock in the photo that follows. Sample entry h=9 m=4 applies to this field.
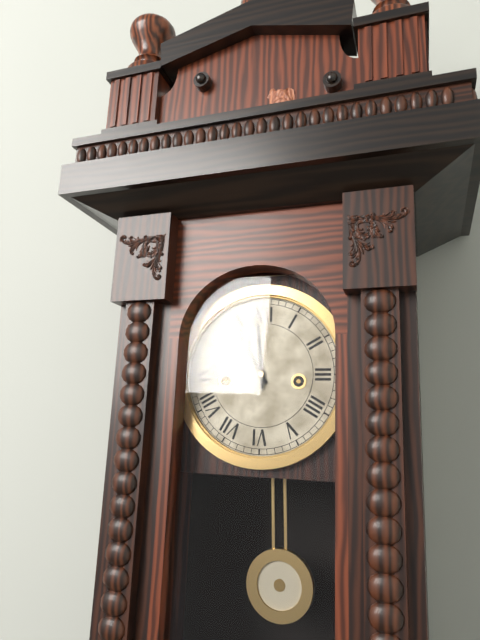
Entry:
h=10 m=59
